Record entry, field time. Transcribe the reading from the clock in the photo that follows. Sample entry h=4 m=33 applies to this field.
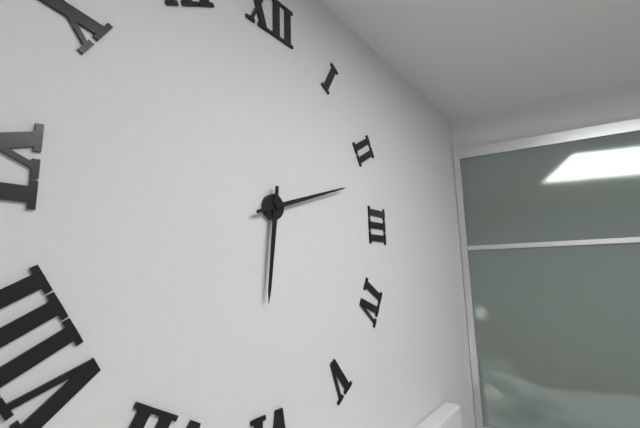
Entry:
h=6 m=12
